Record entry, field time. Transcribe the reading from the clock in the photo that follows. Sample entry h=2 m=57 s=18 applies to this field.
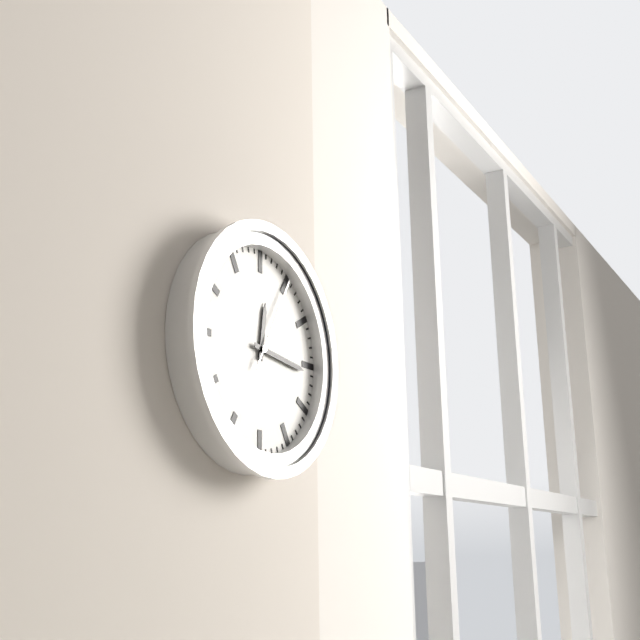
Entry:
h=12 m=16 s=5
